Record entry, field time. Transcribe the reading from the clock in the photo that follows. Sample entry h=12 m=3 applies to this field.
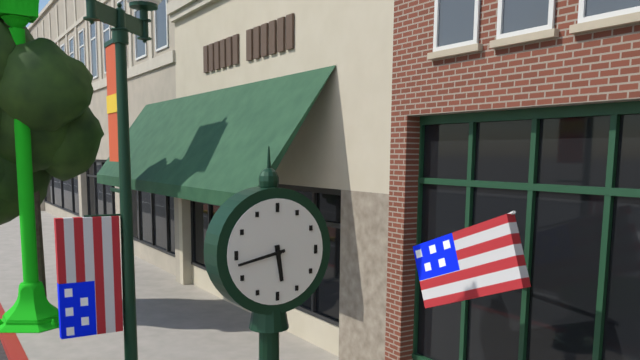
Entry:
h=5 m=43
